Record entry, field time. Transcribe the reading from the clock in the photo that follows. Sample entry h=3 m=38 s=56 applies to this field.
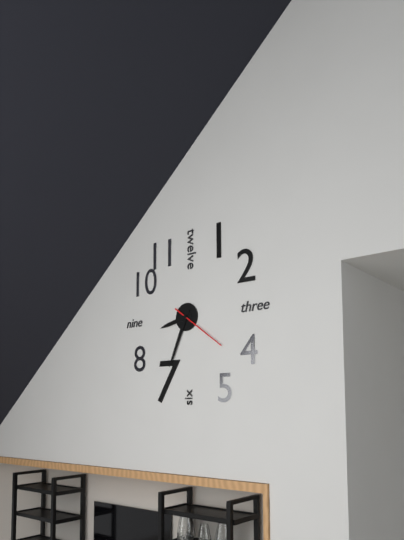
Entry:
h=8 m=34 s=21
